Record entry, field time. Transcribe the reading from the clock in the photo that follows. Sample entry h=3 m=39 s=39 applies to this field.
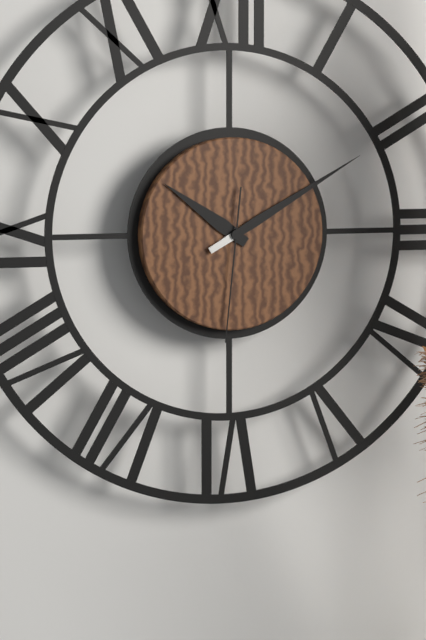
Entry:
h=10 m=10 s=31
